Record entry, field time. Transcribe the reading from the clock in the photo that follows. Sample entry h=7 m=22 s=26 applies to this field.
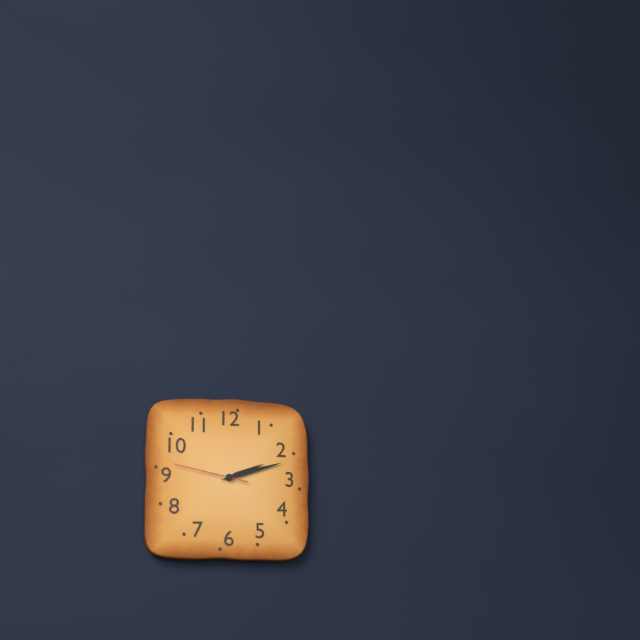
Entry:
h=2 m=12 s=47
